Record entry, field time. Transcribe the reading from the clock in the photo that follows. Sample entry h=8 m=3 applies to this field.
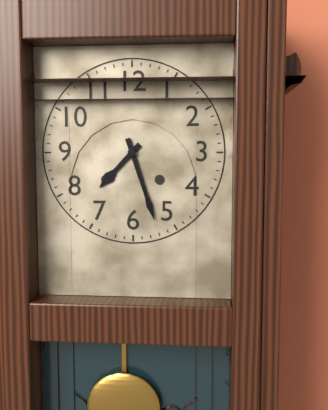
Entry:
h=7 m=27
